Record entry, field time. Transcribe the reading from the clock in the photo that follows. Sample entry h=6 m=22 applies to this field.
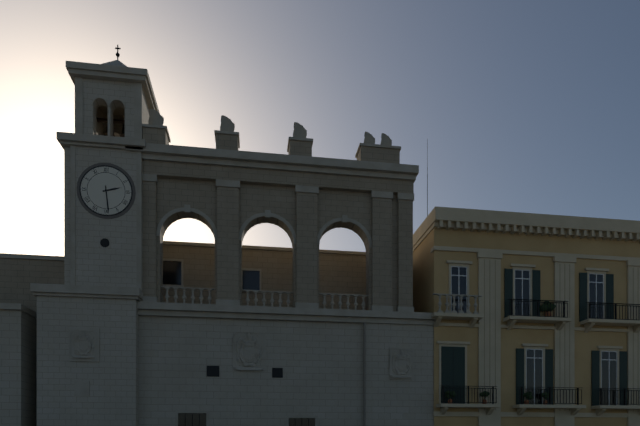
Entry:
h=2 m=29
